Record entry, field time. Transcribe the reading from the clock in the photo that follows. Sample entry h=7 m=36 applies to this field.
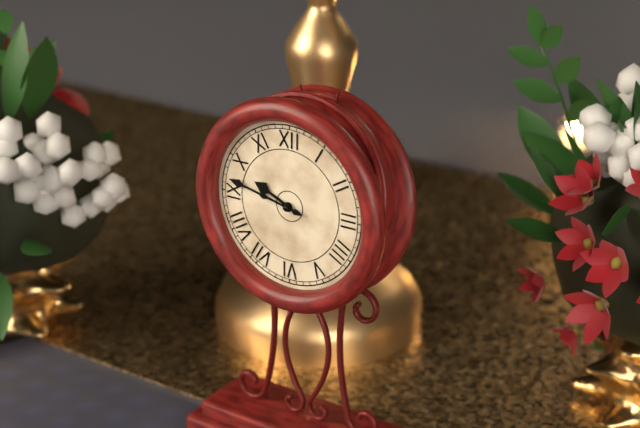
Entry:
h=9 m=47
